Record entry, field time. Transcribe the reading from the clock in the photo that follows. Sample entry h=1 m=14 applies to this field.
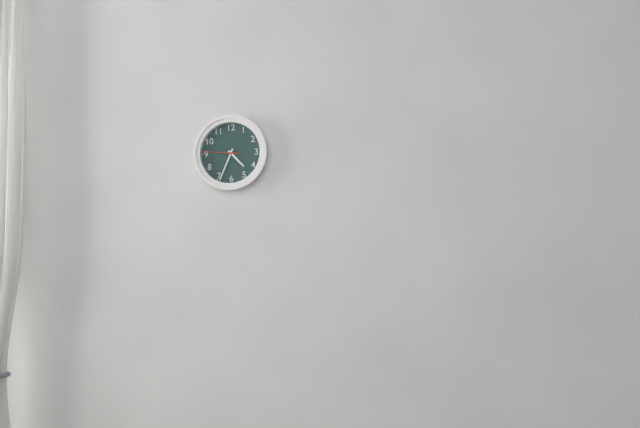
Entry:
h=4 m=34
